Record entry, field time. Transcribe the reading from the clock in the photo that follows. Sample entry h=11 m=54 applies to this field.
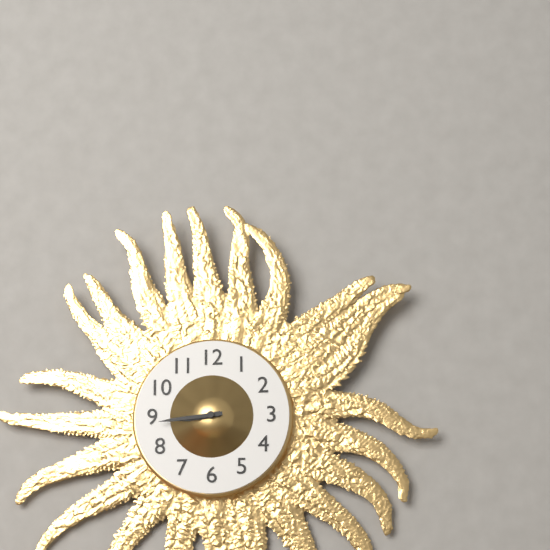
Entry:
h=8 m=44
